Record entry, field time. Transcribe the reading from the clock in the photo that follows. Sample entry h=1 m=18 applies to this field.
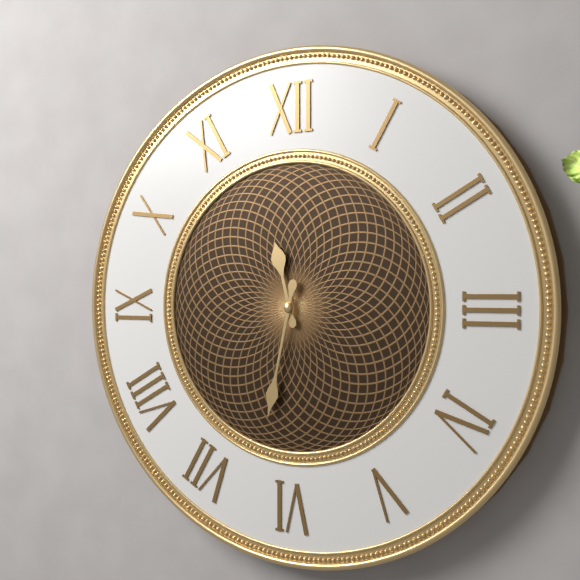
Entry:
h=11 m=32
